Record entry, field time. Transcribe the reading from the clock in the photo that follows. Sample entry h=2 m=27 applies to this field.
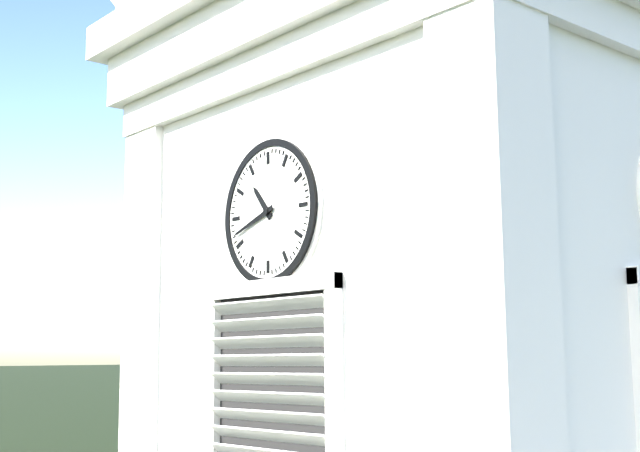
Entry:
h=10 m=42
